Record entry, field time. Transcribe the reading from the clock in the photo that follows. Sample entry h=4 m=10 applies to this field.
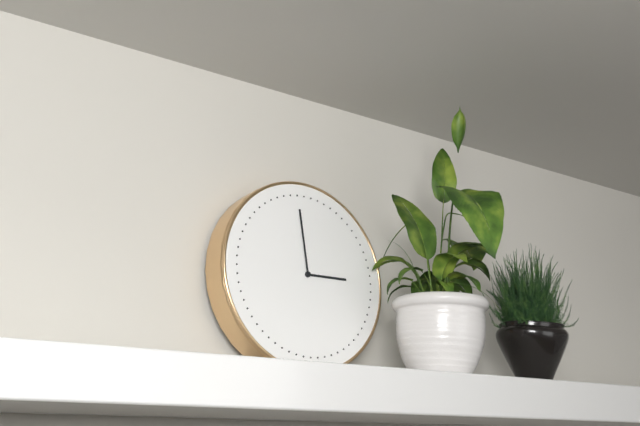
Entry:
h=2 m=59
